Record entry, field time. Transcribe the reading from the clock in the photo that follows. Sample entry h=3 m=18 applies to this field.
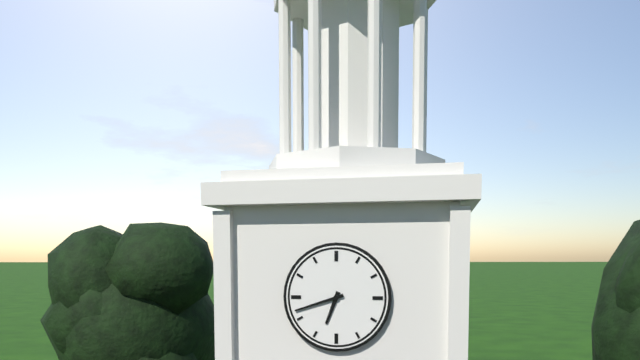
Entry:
h=6 m=42
